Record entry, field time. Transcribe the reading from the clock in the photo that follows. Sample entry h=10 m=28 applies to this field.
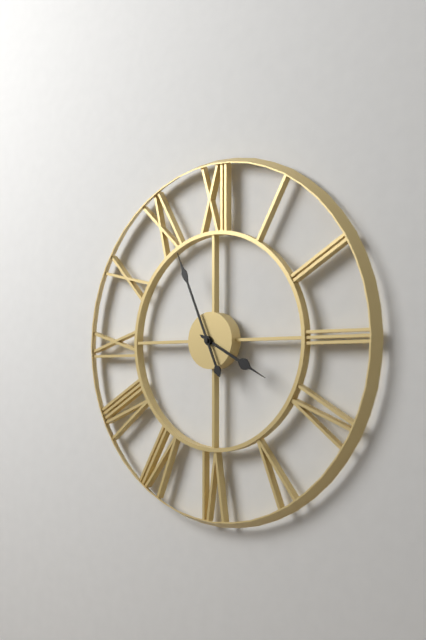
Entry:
h=3 m=56
